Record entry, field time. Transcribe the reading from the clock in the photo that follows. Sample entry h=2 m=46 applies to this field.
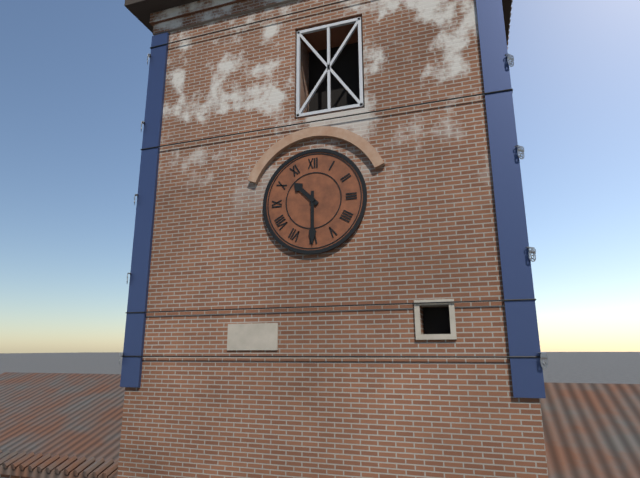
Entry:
h=10 m=30
